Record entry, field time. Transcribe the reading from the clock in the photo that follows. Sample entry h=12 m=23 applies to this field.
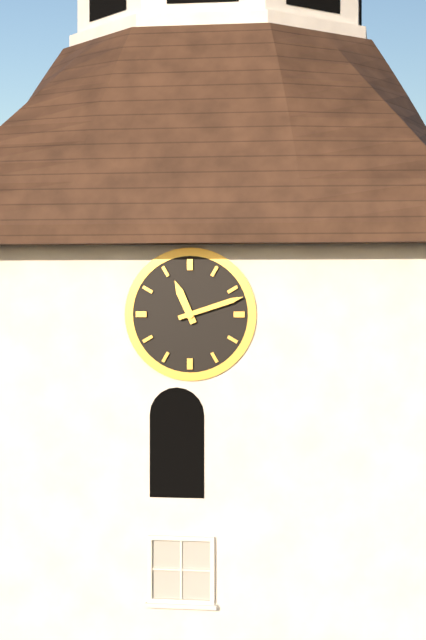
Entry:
h=11 m=12
